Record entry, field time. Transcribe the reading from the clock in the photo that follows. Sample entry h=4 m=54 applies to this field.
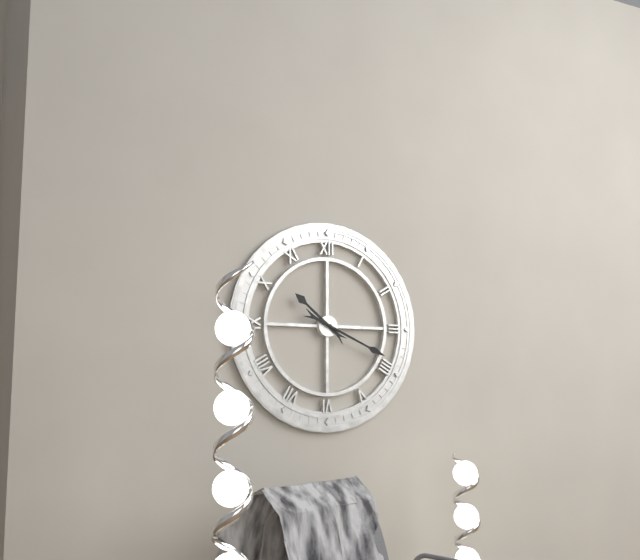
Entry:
h=10 m=19
